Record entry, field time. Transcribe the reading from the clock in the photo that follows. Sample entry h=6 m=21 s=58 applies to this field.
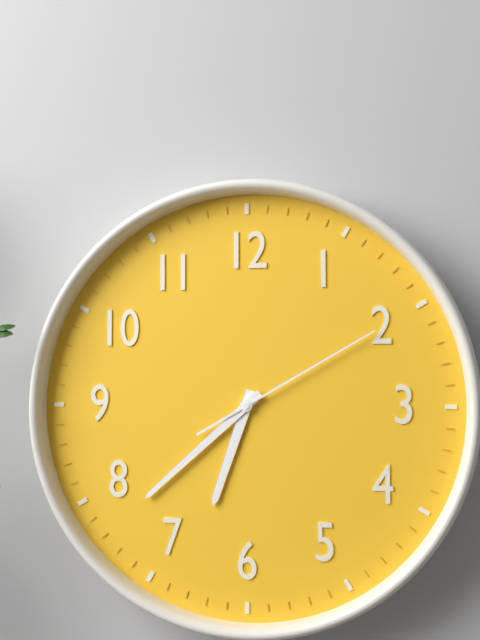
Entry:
h=6 m=38 s=10
